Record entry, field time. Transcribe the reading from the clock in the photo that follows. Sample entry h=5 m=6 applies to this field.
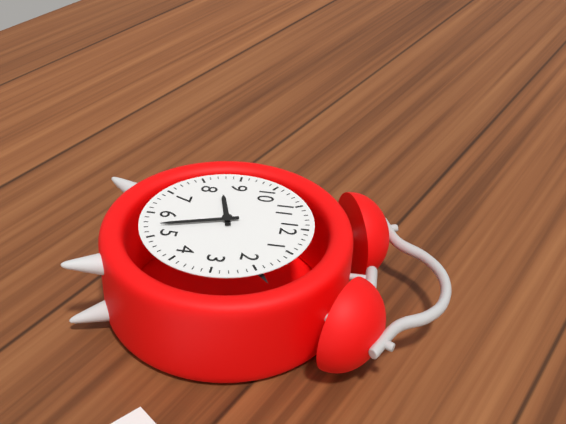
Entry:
h=8 m=27
